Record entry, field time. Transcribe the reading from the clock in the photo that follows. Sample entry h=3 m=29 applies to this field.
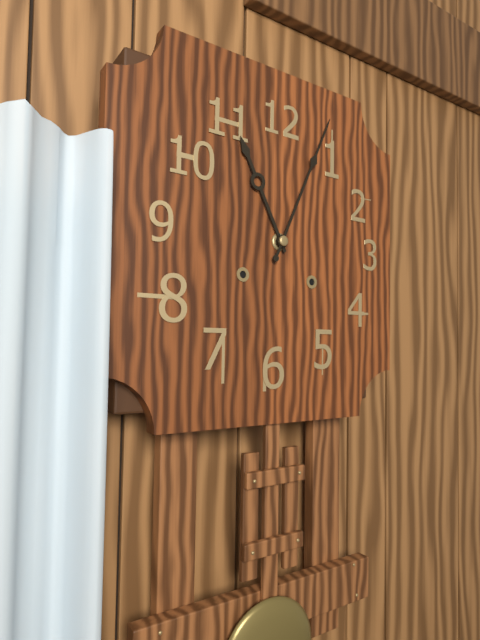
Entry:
h=11 m=4
